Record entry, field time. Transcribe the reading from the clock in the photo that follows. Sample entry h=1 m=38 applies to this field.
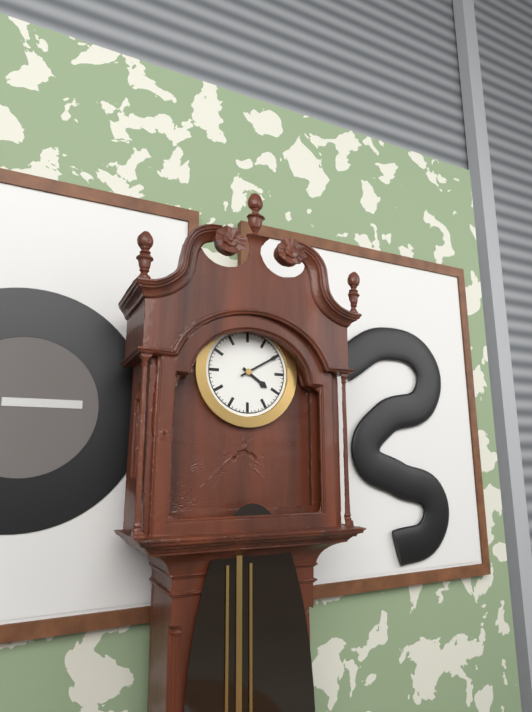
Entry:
h=4 m=10
